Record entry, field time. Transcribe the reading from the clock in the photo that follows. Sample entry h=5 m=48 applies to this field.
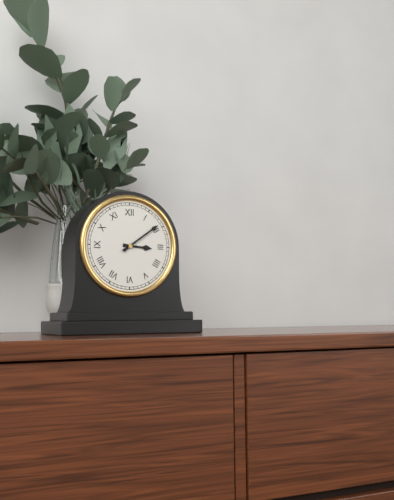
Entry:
h=3 m=9
